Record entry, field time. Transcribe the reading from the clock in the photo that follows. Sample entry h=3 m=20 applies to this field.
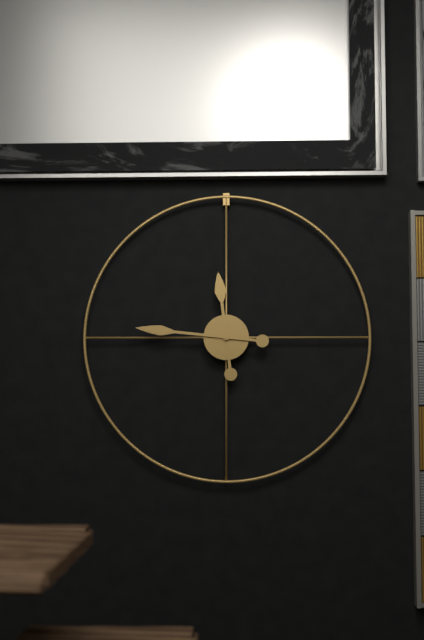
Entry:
h=11 m=46
